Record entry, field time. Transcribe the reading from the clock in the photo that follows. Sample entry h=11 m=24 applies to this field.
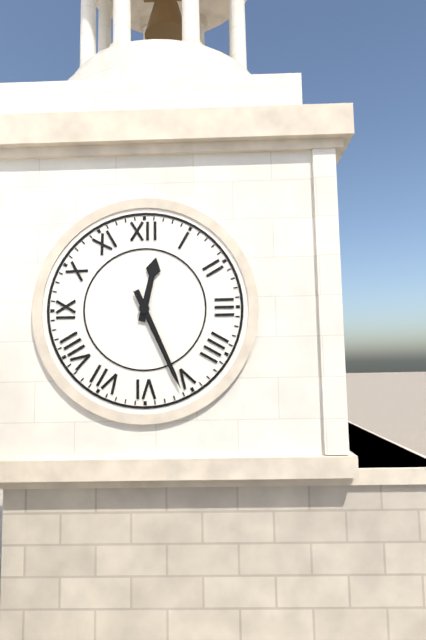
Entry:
h=12 m=26
